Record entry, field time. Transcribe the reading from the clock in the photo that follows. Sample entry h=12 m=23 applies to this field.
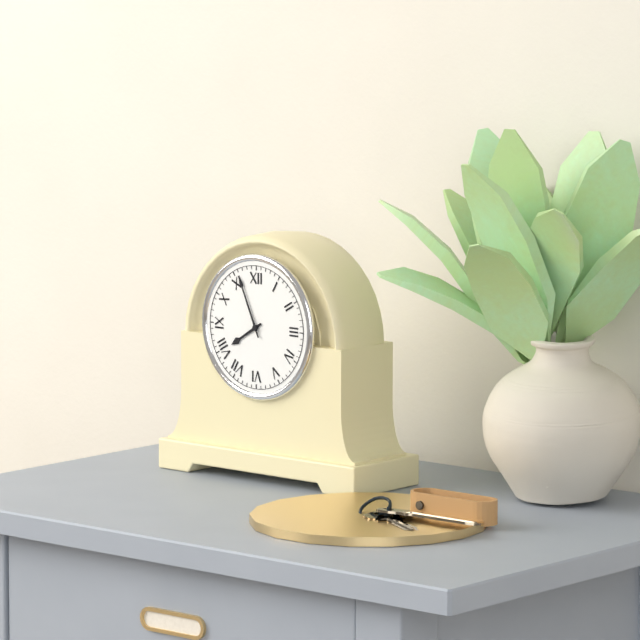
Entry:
h=7 m=56
